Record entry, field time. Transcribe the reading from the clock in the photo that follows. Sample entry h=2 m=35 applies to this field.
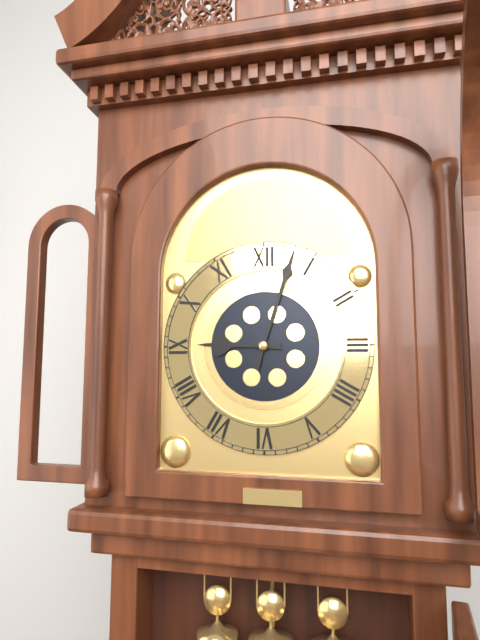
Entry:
h=9 m=3
